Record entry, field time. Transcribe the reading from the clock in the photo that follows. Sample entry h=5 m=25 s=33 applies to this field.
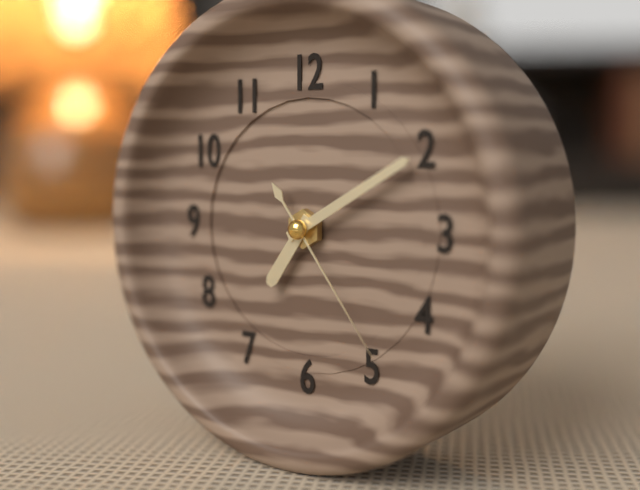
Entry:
h=7 m=10 s=24
